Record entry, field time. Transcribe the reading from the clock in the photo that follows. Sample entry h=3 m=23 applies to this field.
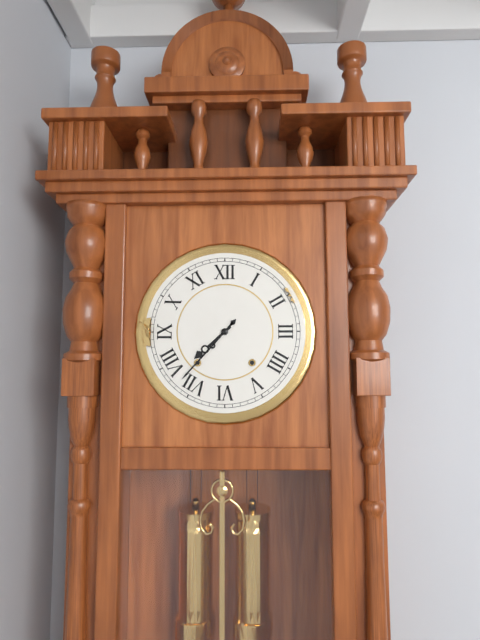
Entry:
h=7 m=37
